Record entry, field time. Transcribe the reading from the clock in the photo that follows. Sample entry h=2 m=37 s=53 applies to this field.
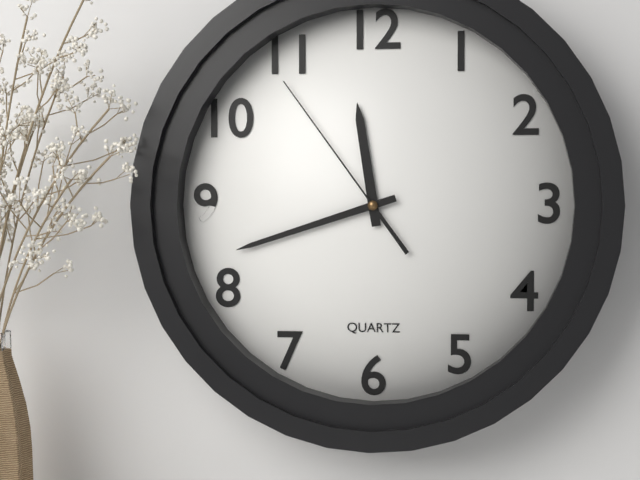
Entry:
h=11 m=42 s=54
